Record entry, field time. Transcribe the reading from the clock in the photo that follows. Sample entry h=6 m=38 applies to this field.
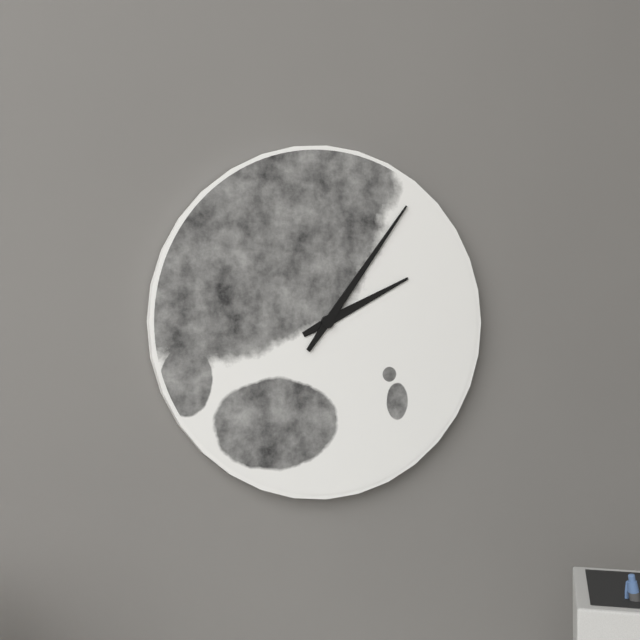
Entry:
h=2 m=6
